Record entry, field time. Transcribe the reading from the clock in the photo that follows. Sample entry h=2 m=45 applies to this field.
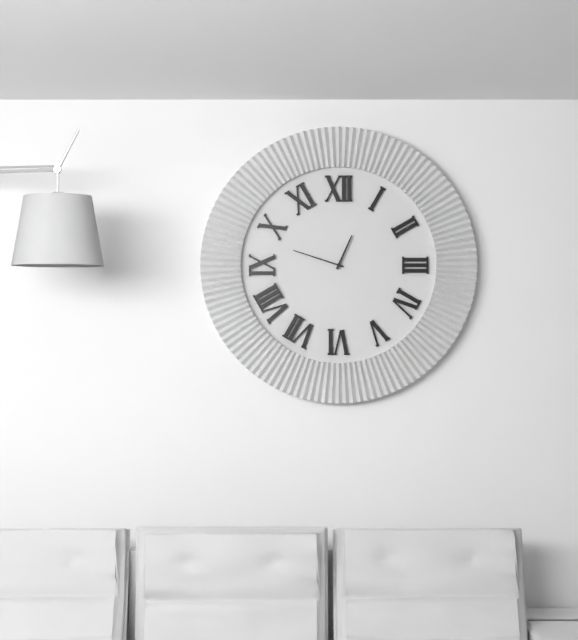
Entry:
h=12 m=48
